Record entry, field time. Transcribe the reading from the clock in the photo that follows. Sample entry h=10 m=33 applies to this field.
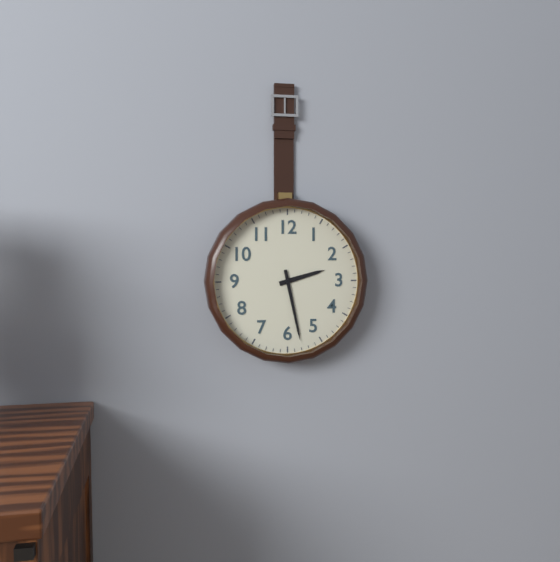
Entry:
h=2 m=28
